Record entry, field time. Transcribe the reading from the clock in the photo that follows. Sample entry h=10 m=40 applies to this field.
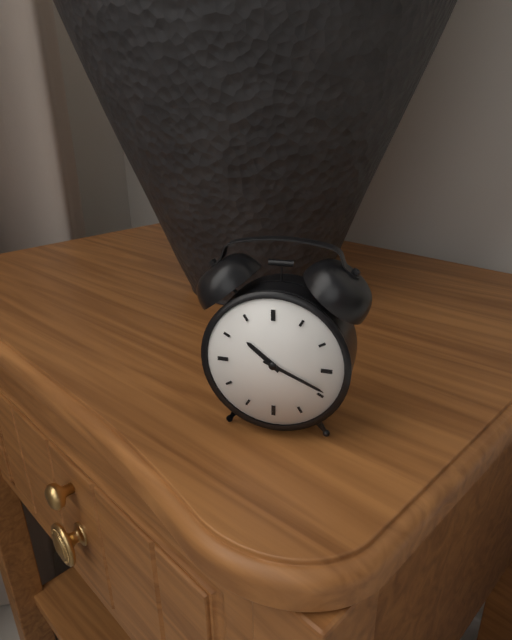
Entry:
h=10 m=19
